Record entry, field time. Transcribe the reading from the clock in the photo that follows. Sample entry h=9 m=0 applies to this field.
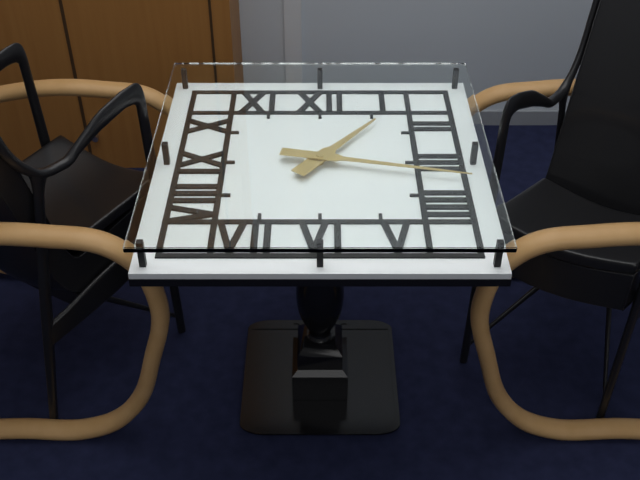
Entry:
h=1 m=17
